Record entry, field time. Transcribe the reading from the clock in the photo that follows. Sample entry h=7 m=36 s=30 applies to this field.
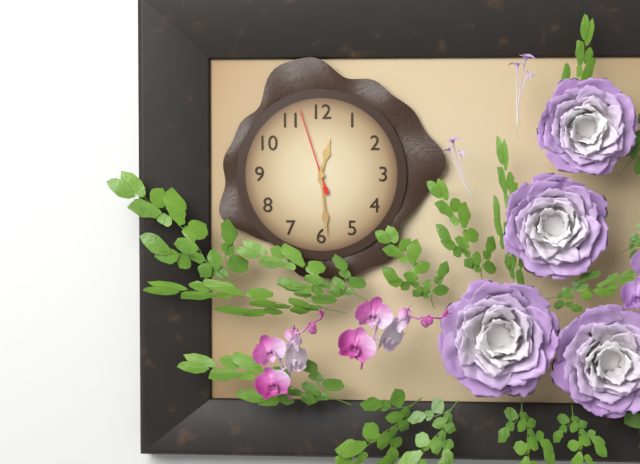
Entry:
h=12 m=29 s=57
